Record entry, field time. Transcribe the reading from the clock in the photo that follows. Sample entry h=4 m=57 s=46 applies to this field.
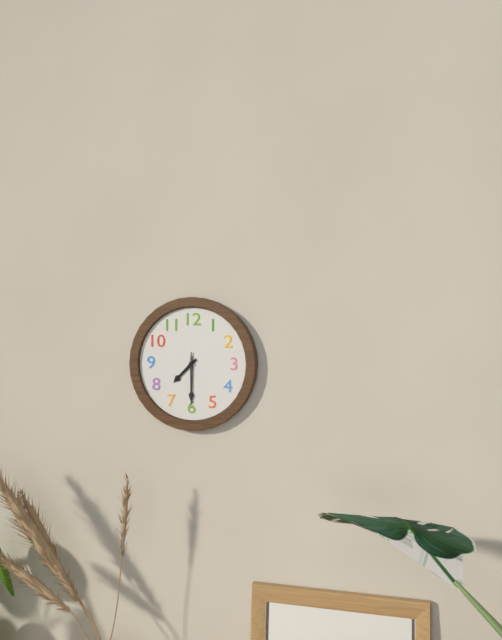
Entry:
h=7 m=30 s=30
